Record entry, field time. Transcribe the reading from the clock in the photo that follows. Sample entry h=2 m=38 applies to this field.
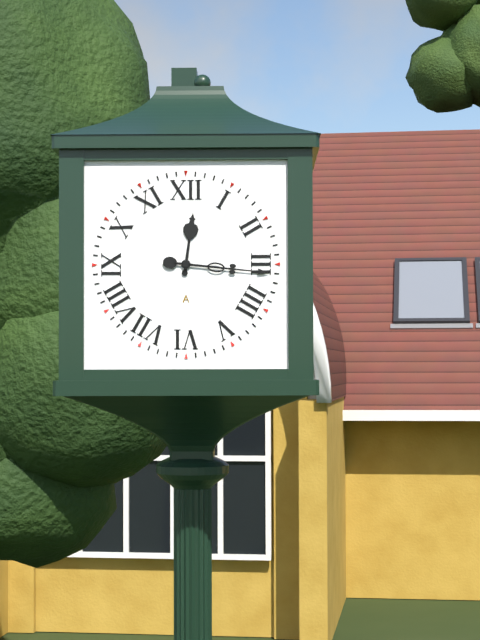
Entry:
h=12 m=16
